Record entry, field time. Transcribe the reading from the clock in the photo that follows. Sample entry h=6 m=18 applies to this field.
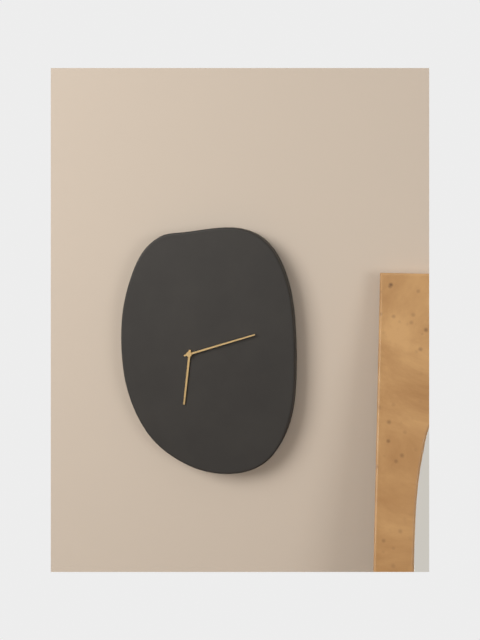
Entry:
h=6 m=12
